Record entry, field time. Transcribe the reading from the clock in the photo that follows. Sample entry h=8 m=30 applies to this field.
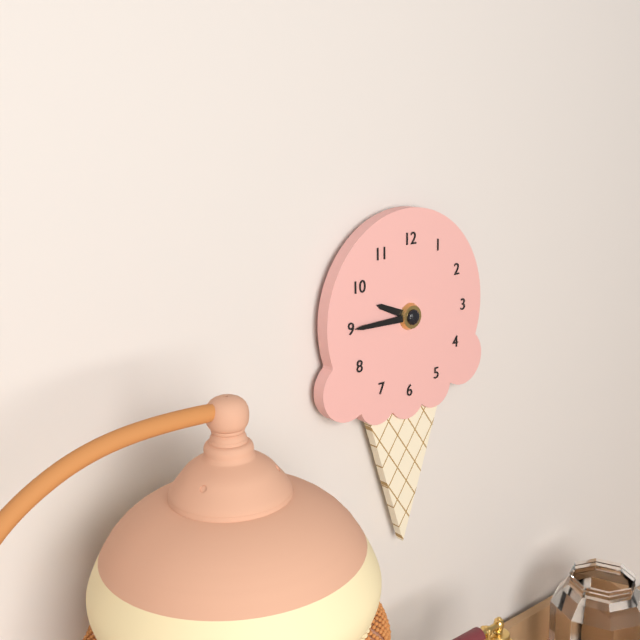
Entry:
h=9 m=45
